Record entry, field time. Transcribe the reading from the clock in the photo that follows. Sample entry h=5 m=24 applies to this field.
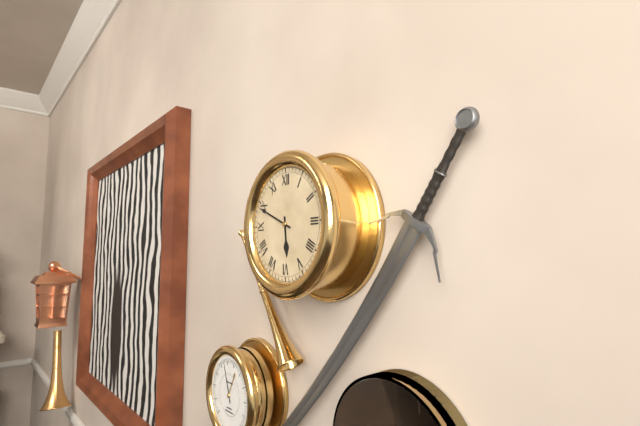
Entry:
h=5 m=49
